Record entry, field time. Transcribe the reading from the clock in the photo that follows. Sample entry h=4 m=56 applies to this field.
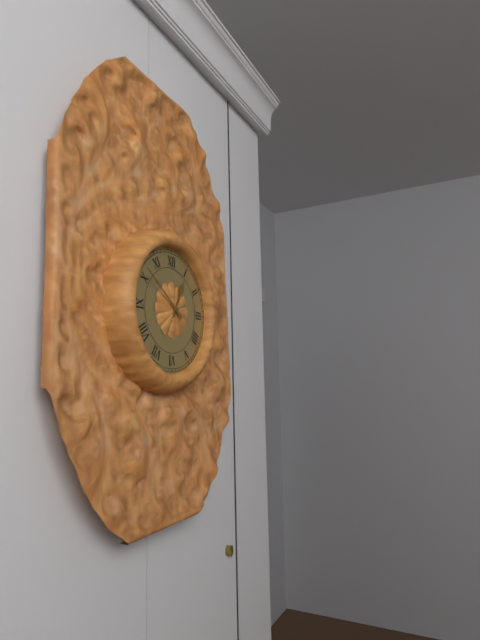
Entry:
h=12 m=51
